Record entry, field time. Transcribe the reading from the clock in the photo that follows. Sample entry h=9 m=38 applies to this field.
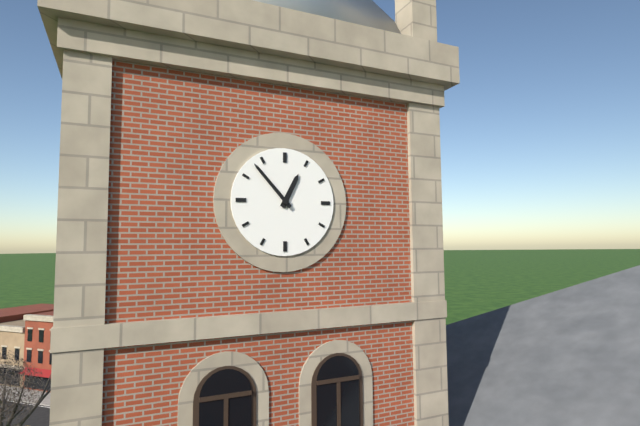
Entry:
h=12 m=53
